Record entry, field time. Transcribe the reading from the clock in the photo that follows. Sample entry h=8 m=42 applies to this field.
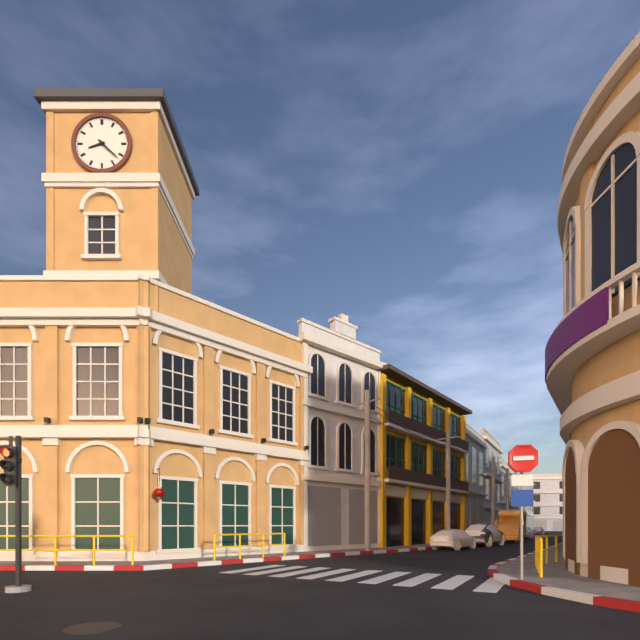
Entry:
h=8 m=22
